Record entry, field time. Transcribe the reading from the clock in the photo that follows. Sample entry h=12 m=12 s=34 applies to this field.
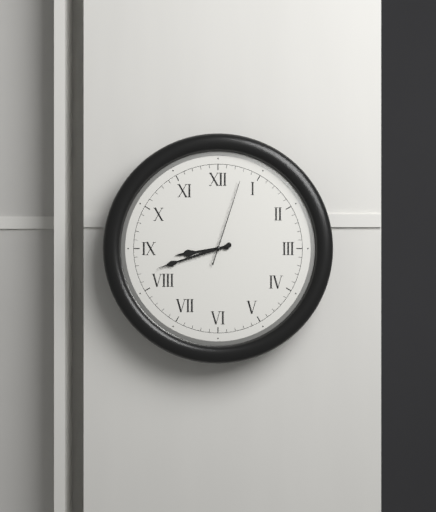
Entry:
h=8 m=42 s=3
